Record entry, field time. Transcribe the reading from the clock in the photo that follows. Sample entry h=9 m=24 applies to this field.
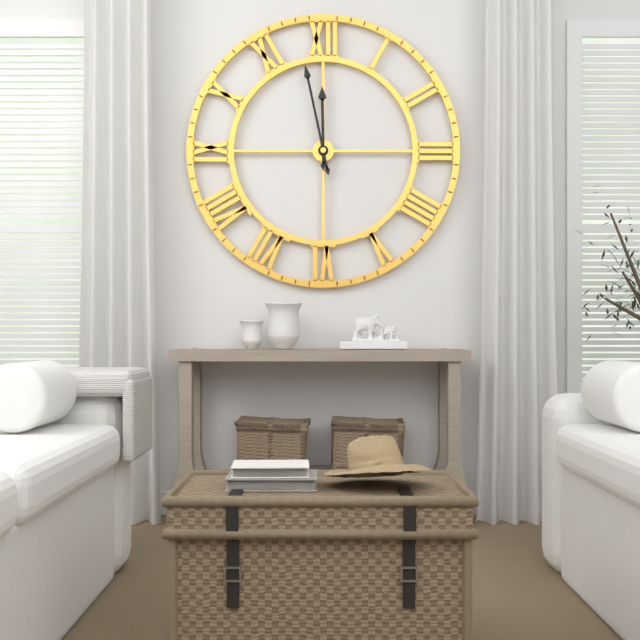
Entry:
h=11 m=58
